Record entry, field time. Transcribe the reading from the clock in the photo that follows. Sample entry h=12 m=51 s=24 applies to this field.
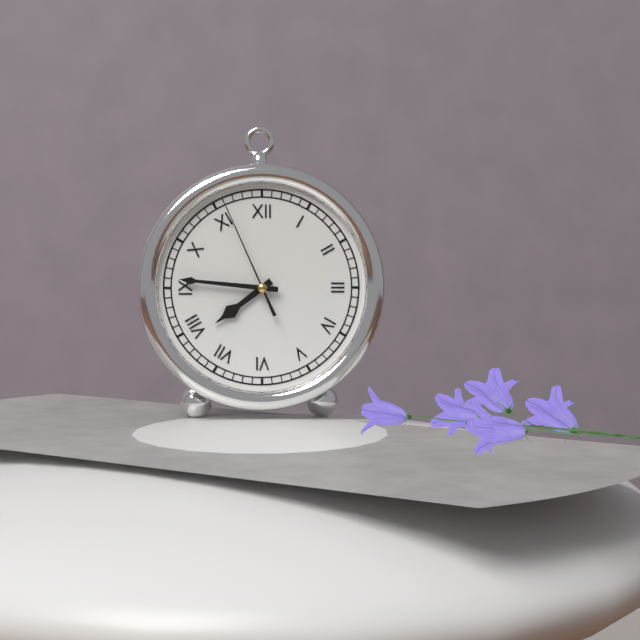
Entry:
h=7 m=46 s=56
